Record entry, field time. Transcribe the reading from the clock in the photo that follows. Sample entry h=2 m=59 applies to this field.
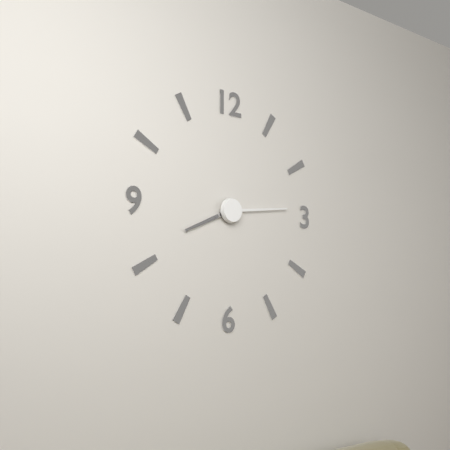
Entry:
h=8 m=14
